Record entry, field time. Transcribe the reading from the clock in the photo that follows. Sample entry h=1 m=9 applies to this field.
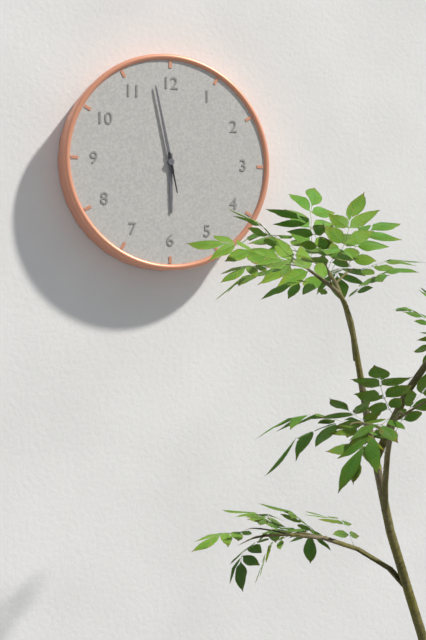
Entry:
h=5 m=58
